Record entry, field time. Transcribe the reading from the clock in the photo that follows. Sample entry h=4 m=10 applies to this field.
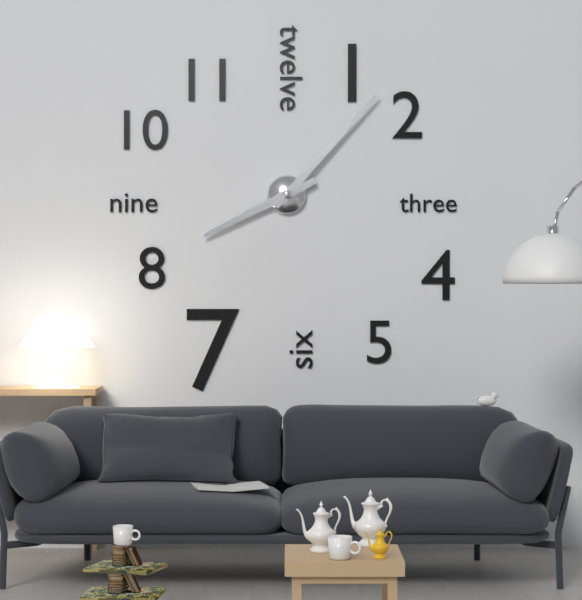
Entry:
h=8 m=7
